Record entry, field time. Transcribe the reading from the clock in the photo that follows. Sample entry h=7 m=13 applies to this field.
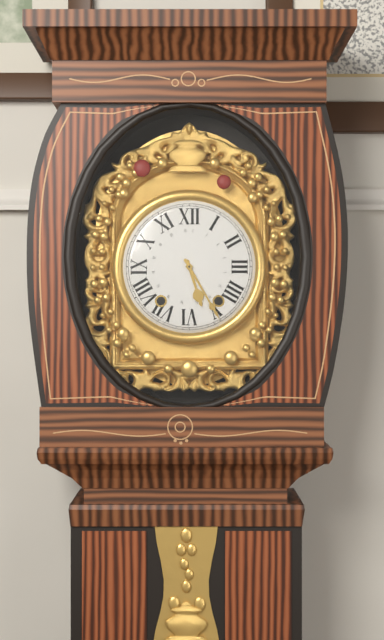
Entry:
h=5 m=25
